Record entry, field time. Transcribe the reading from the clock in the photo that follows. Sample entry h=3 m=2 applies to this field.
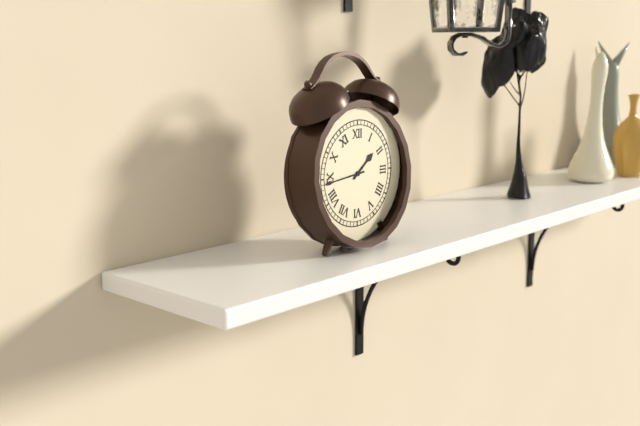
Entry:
h=1 m=44
